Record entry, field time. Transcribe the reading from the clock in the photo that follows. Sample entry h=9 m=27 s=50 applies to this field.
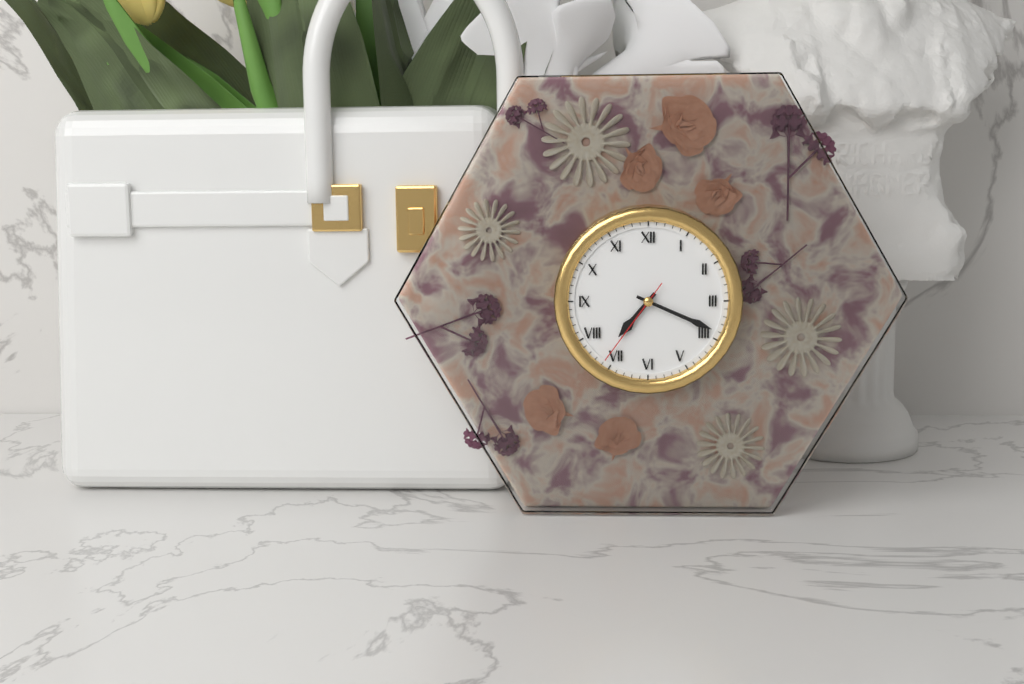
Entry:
h=7 m=19 s=36
